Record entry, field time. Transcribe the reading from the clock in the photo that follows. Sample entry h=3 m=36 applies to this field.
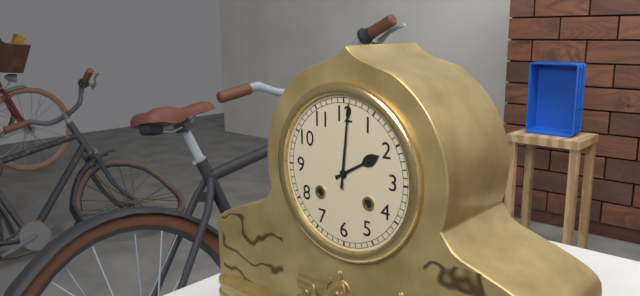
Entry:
h=2 m=1
